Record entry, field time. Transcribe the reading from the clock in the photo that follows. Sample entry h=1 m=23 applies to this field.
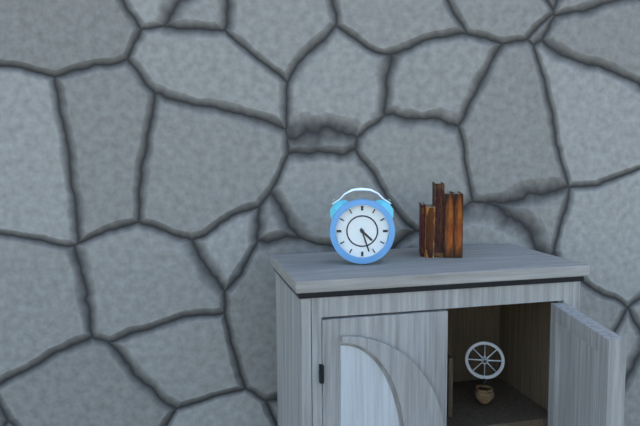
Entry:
h=4 m=27
